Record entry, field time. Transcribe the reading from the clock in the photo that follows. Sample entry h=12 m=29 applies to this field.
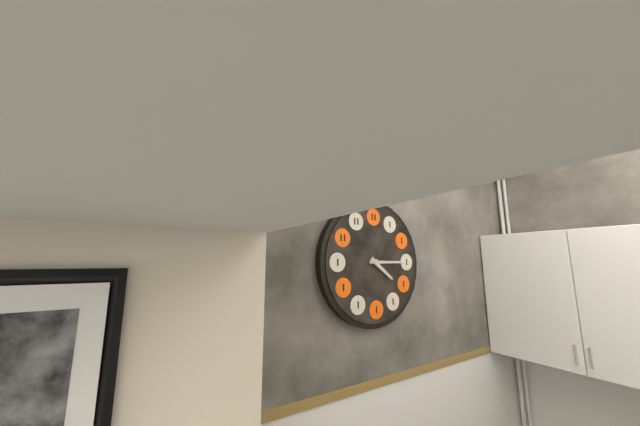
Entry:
h=4 m=15
